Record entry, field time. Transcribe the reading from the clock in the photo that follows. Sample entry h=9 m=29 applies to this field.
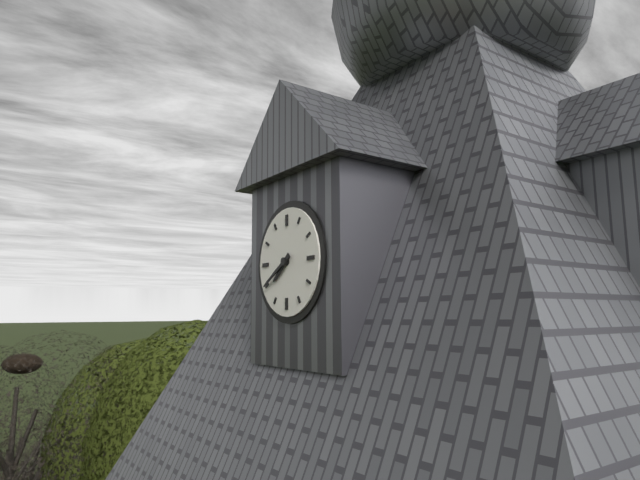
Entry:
h=7 m=40
